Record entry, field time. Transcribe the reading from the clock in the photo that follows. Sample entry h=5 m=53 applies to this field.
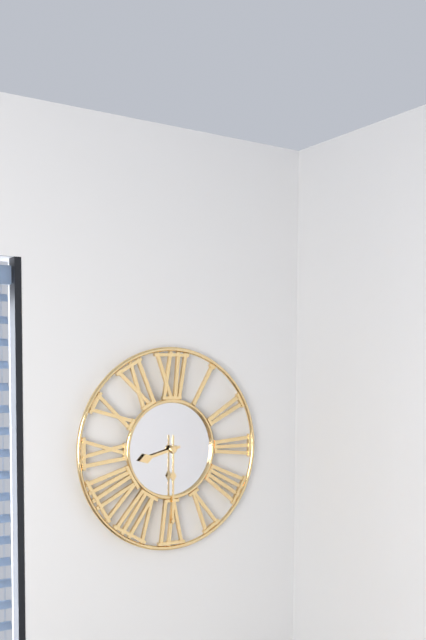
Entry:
h=8 m=30
